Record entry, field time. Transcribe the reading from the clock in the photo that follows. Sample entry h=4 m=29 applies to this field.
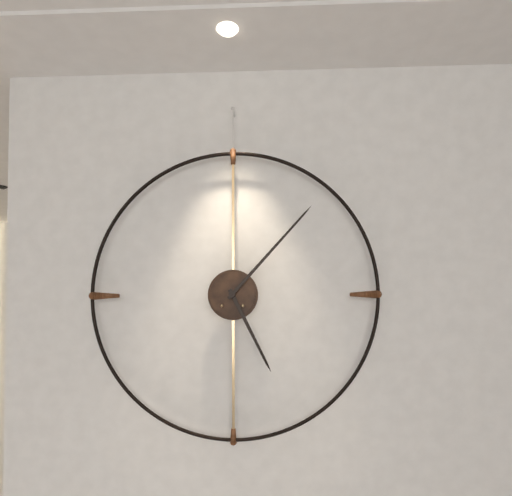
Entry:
h=5 m=7
